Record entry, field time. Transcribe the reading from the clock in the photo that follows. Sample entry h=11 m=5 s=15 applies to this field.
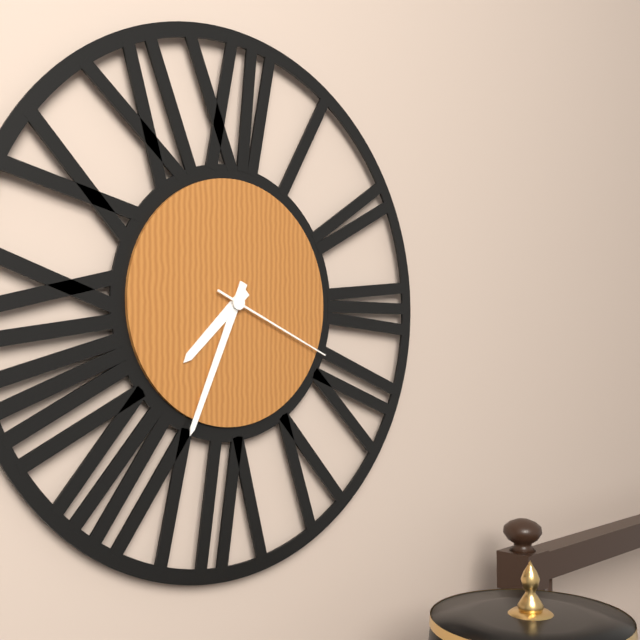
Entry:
h=7 m=34 s=19
